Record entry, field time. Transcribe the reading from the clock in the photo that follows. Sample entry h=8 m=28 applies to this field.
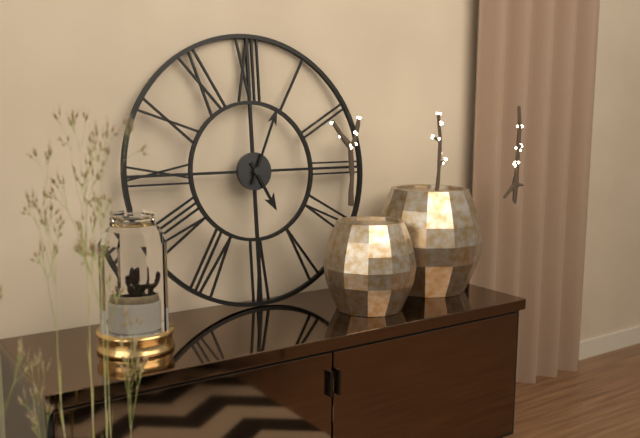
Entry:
h=5 m=4
